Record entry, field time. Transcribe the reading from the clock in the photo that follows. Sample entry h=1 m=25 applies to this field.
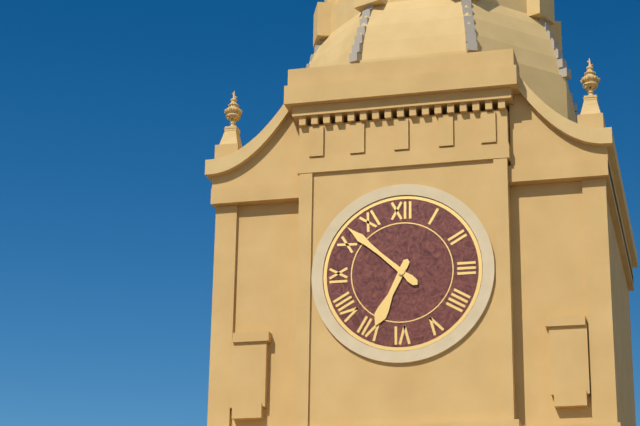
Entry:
h=6 m=52
